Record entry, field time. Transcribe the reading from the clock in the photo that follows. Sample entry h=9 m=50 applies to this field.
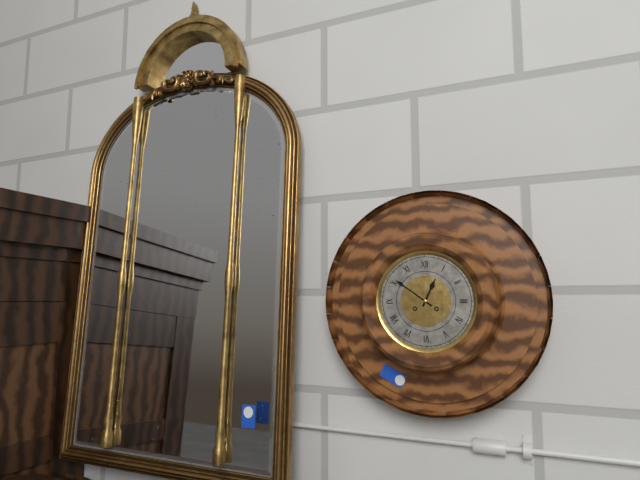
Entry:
h=12 m=51
